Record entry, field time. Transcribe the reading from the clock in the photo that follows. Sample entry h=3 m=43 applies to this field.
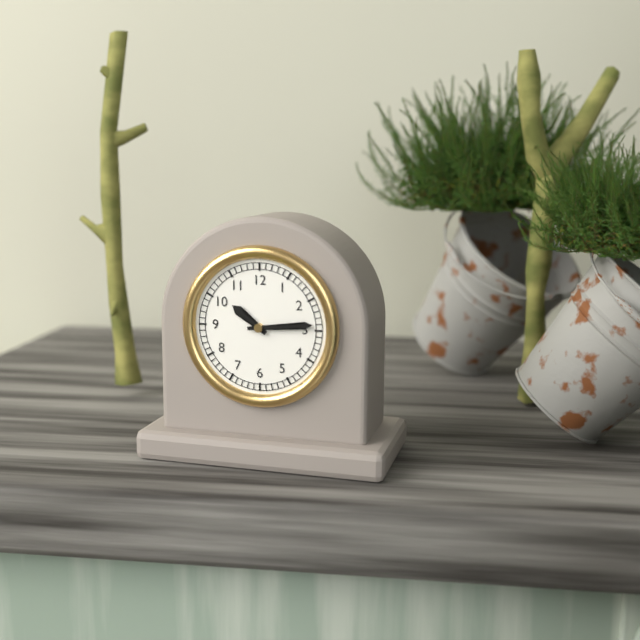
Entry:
h=10 m=14
